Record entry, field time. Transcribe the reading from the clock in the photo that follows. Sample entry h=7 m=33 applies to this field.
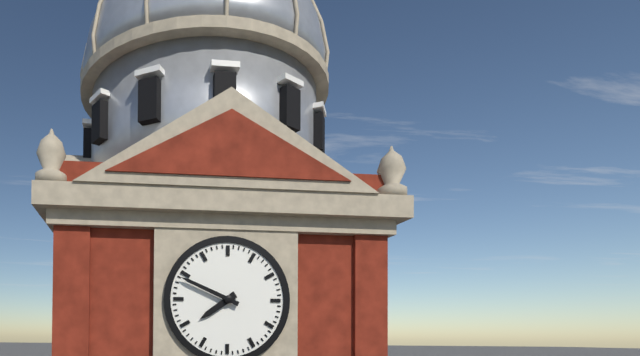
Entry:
h=7 m=49
